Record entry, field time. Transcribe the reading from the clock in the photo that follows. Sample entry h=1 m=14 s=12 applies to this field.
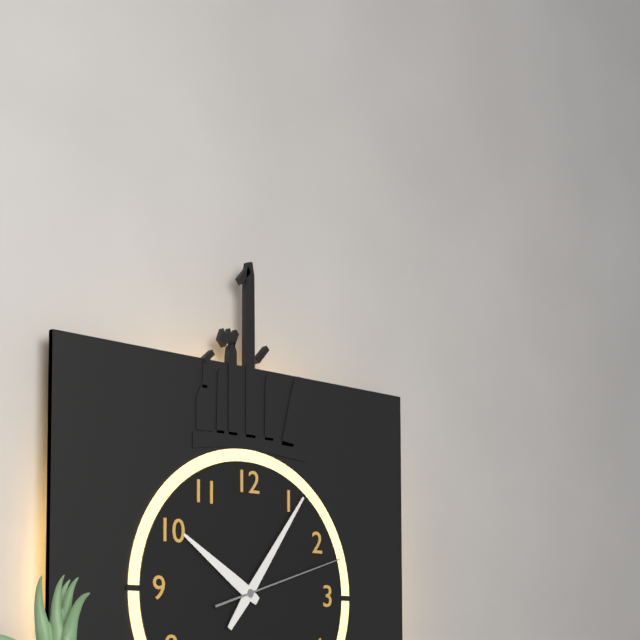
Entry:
h=10 m=6 s=12
